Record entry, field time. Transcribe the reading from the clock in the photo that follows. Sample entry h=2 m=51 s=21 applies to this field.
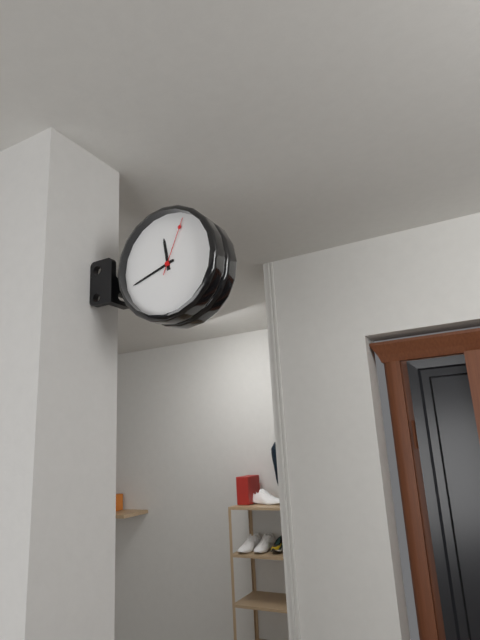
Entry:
h=11 m=42 s=4
